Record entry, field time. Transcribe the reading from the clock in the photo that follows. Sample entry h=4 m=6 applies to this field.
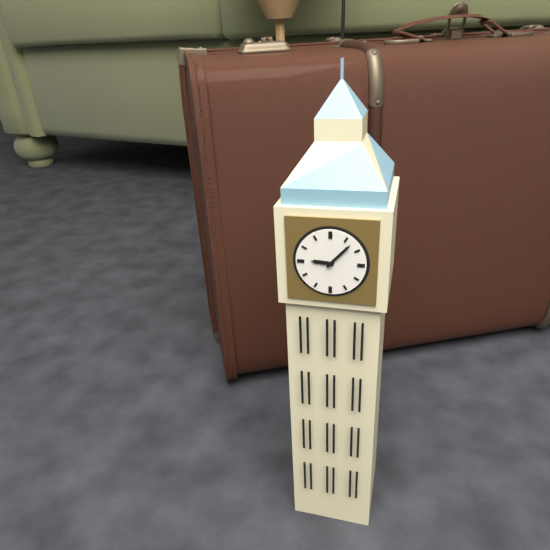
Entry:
h=9 m=7
